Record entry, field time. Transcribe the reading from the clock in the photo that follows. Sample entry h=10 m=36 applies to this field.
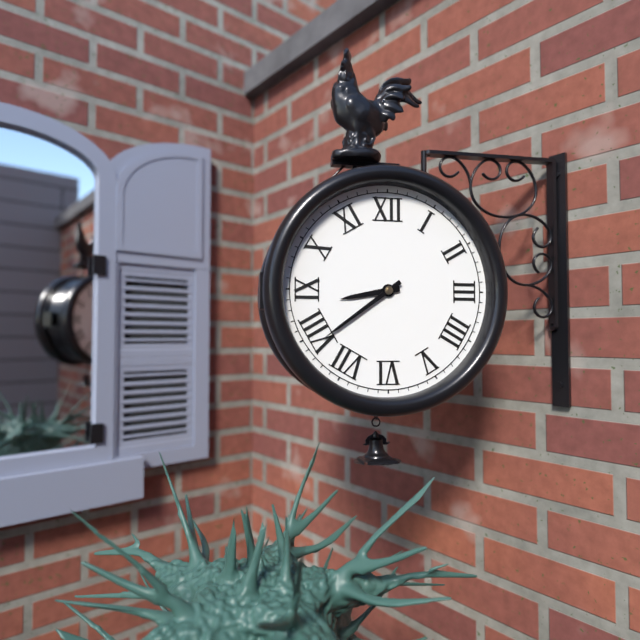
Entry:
h=8 m=39
